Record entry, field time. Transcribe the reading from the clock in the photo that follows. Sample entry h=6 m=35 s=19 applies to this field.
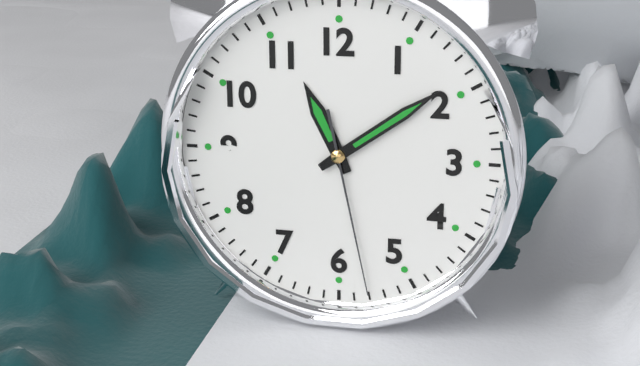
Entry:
h=11 m=9 s=28
